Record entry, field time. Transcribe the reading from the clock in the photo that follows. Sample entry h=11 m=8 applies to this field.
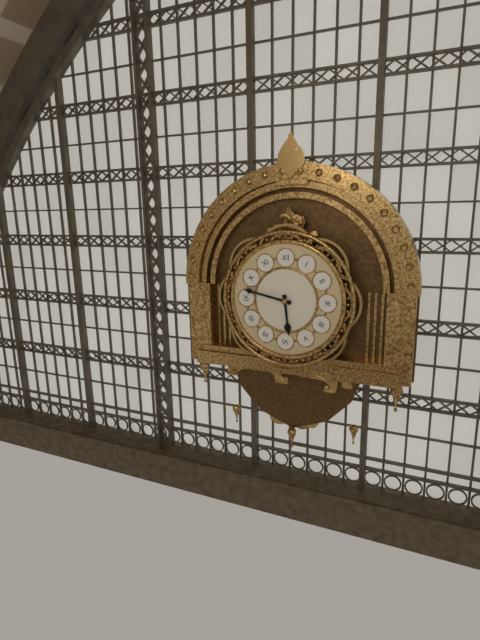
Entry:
h=5 m=47
